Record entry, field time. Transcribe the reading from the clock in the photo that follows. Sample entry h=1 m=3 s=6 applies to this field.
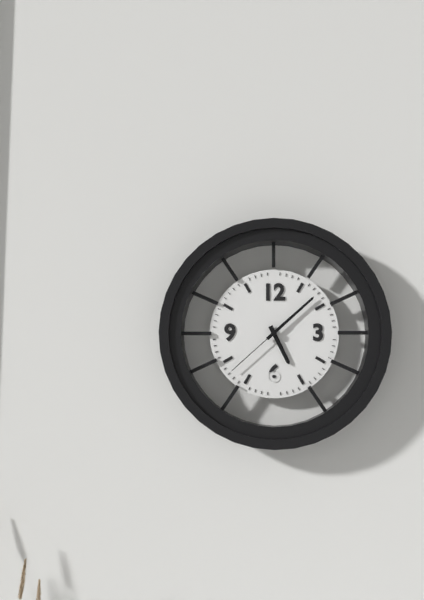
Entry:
h=5 m=8 s=38
